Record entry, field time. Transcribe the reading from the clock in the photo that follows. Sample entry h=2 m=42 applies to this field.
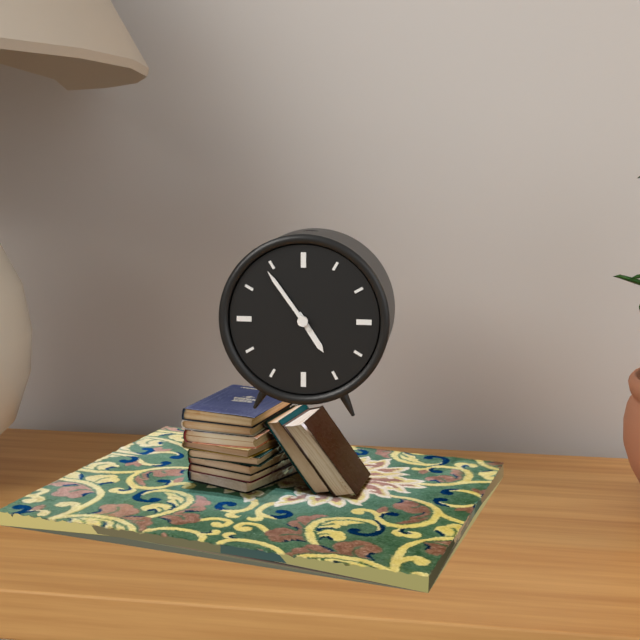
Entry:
h=4 m=54
